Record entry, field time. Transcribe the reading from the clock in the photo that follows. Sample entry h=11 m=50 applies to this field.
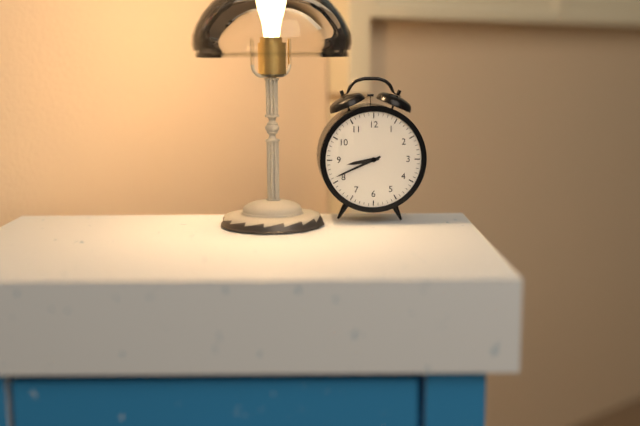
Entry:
h=8 m=41
